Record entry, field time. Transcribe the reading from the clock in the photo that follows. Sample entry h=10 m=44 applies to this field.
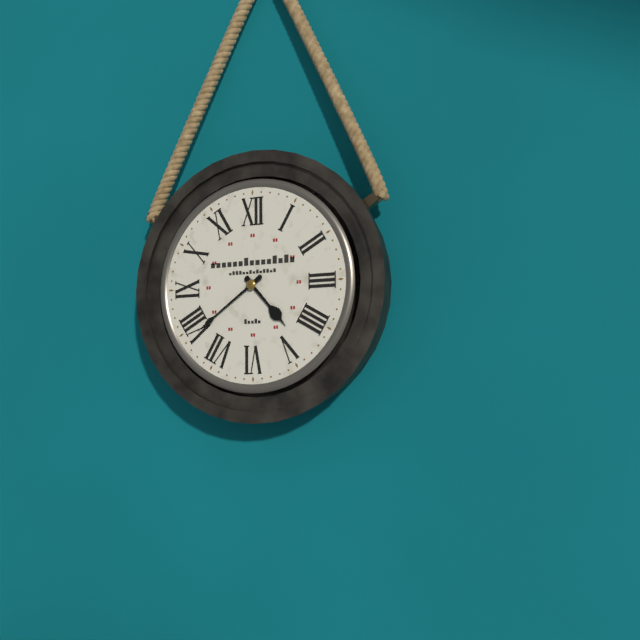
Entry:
h=4 m=39
